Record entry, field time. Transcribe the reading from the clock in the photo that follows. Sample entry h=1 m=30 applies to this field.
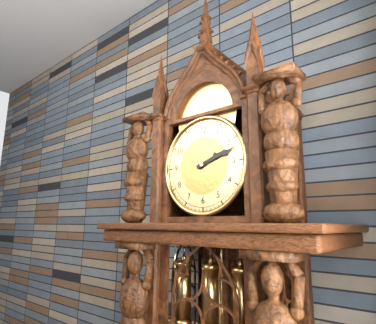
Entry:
h=2 m=12
